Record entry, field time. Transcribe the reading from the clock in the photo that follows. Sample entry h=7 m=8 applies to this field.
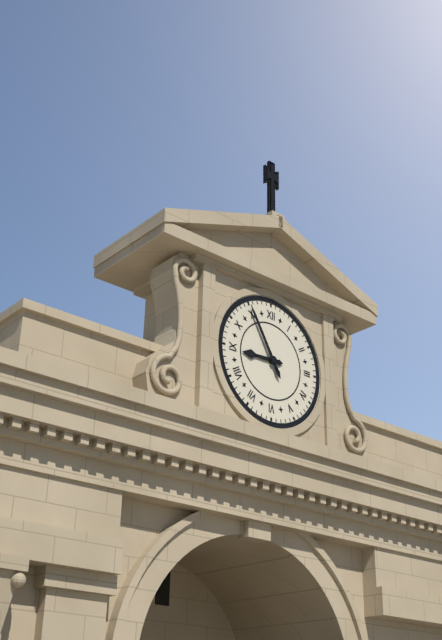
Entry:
h=8 m=55
